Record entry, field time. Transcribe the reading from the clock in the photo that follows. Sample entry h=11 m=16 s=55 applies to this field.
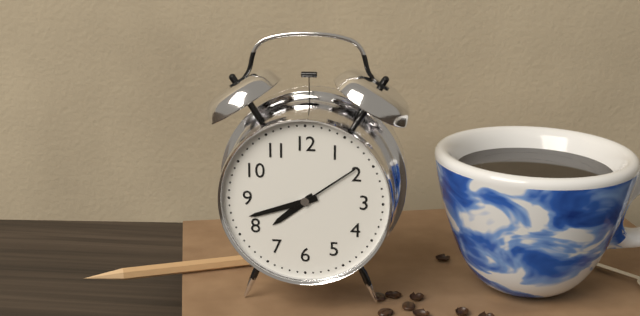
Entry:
h=7 m=42 s=9
